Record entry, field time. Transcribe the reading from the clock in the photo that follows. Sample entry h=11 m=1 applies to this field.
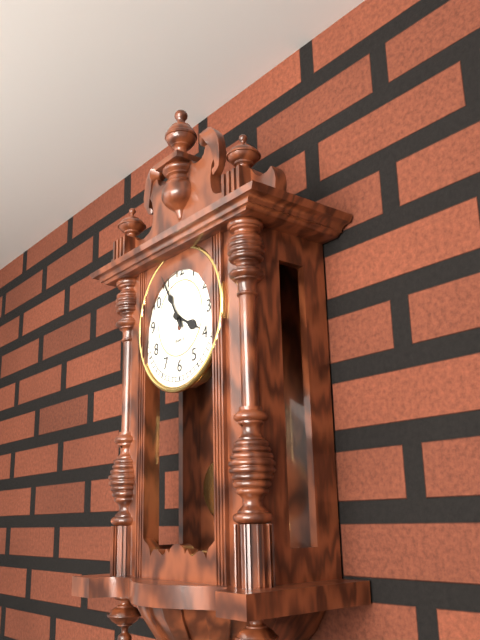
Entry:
h=3 m=55
